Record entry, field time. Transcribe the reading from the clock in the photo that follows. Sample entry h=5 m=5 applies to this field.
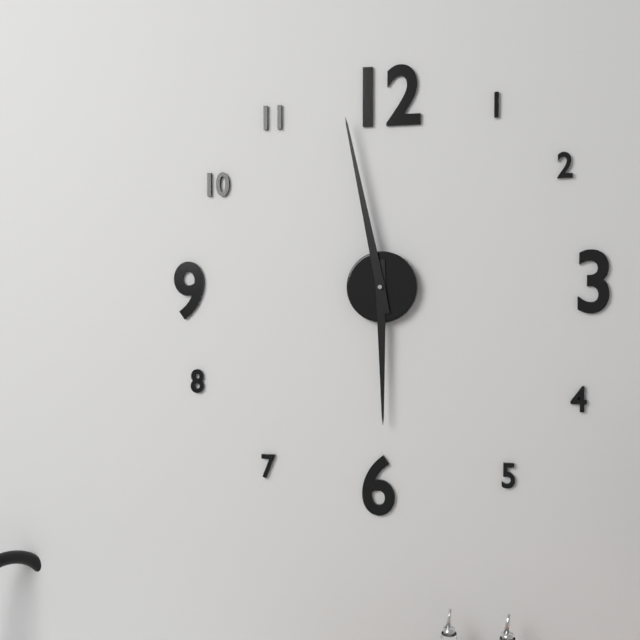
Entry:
h=5 m=58
